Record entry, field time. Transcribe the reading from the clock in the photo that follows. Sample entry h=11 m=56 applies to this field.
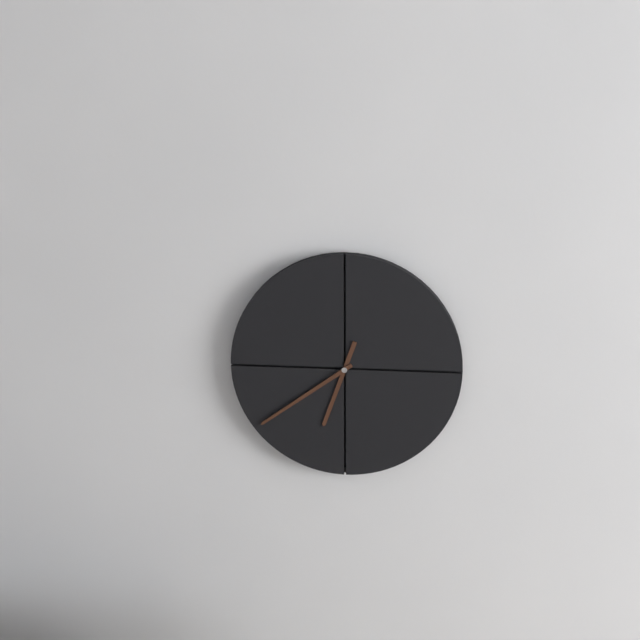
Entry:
h=6 m=39
